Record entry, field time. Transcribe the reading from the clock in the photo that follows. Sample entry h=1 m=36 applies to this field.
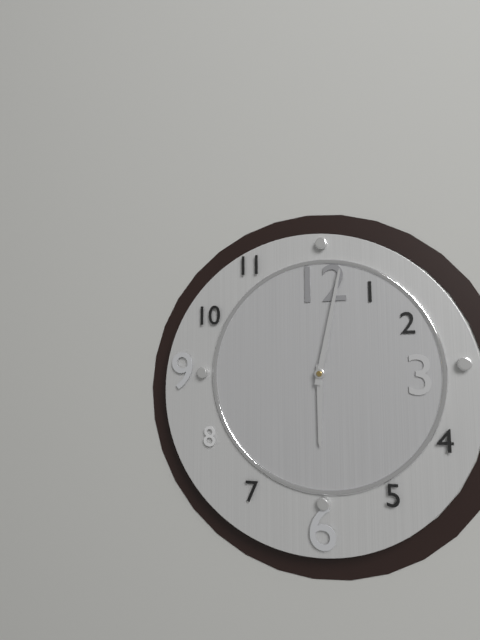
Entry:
h=6 m=2
